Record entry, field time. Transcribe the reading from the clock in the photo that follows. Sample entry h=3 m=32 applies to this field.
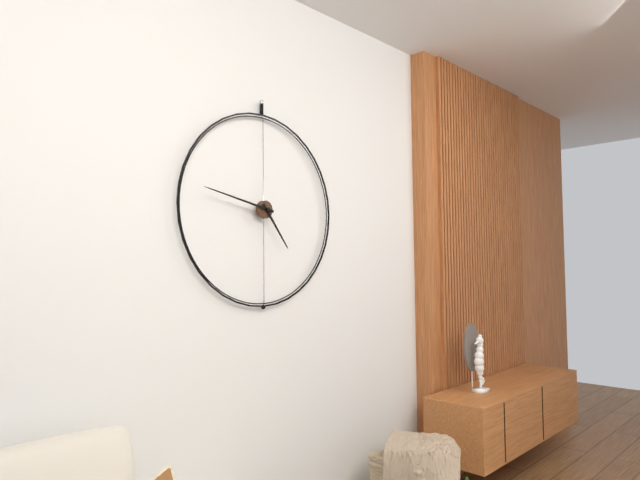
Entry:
h=4 m=47
